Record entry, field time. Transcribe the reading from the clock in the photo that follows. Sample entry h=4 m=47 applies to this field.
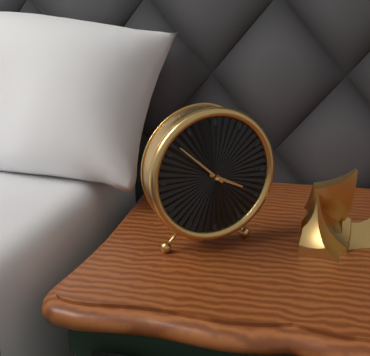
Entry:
h=3 m=52
